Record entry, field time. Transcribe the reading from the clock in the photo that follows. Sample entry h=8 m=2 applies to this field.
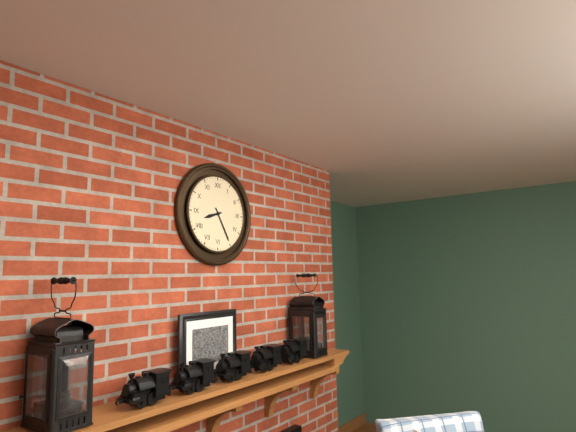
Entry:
h=8 m=25
